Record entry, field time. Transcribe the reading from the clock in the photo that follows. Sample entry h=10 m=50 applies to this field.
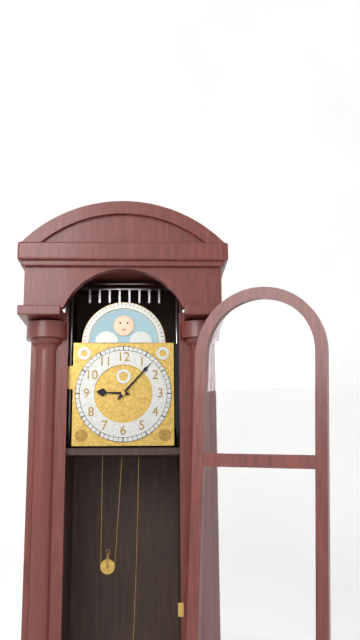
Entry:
h=9 m=7
